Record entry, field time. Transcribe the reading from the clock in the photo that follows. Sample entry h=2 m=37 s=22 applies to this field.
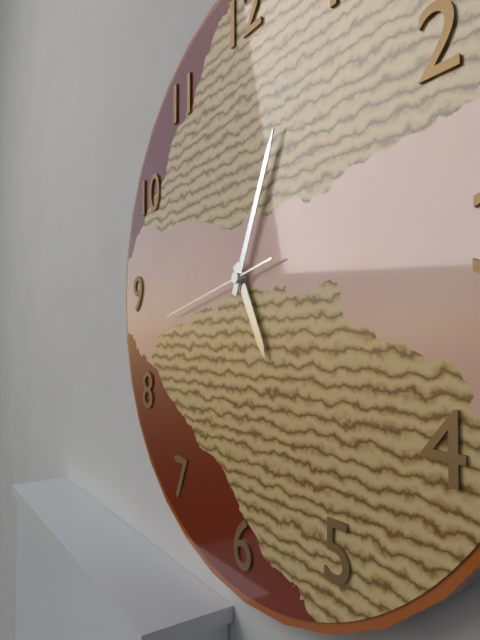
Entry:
h=5 m=4 s=43
